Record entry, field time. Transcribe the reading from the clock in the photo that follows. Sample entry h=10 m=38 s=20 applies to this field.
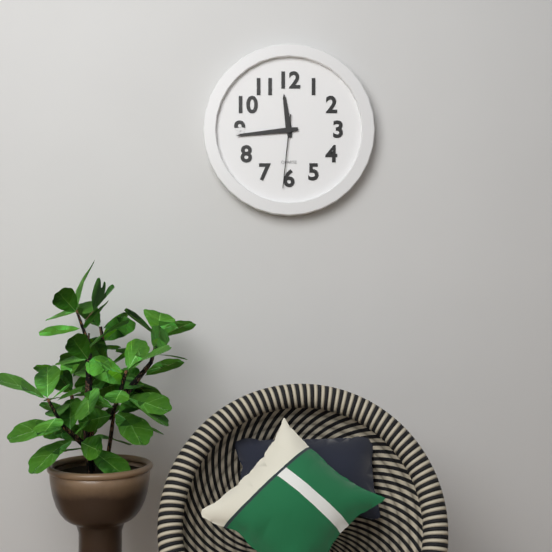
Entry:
h=11 m=44 s=31
